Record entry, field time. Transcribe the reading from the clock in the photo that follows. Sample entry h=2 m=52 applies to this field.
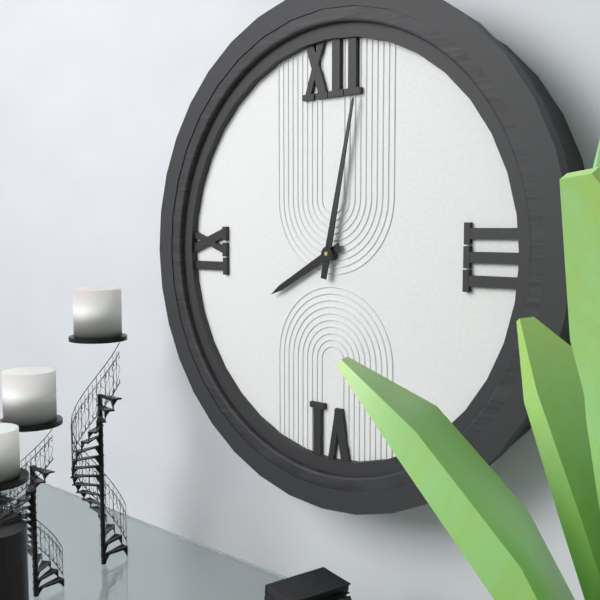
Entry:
h=8 m=2
